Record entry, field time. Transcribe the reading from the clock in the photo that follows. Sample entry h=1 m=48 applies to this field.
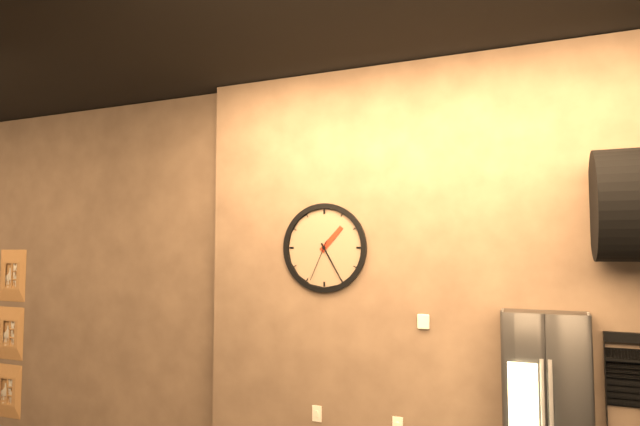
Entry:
h=1 m=25
